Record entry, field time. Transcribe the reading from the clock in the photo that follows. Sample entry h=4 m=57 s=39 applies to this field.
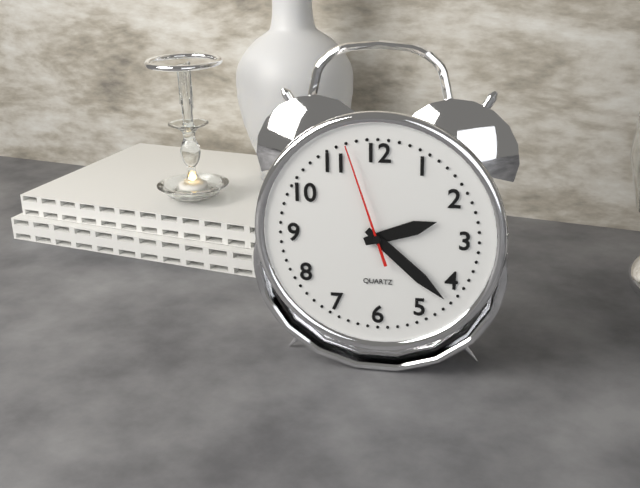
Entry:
h=2 m=22 s=57
